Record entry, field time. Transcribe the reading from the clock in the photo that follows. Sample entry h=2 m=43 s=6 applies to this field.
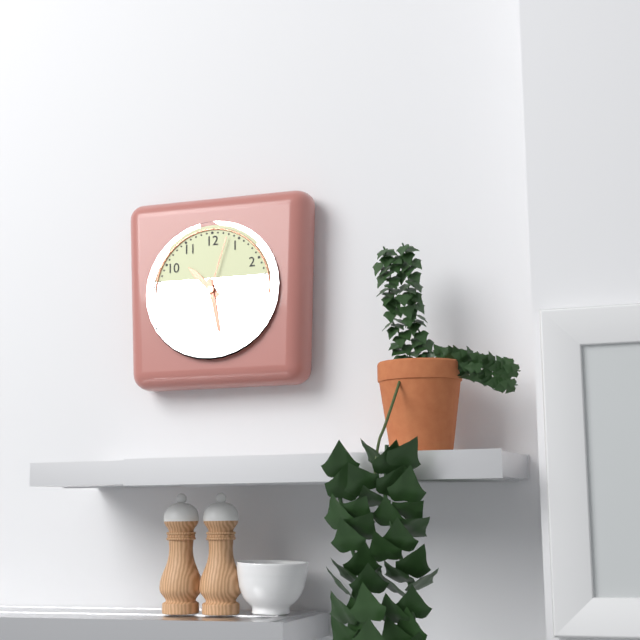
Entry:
h=10 m=28 s=3
